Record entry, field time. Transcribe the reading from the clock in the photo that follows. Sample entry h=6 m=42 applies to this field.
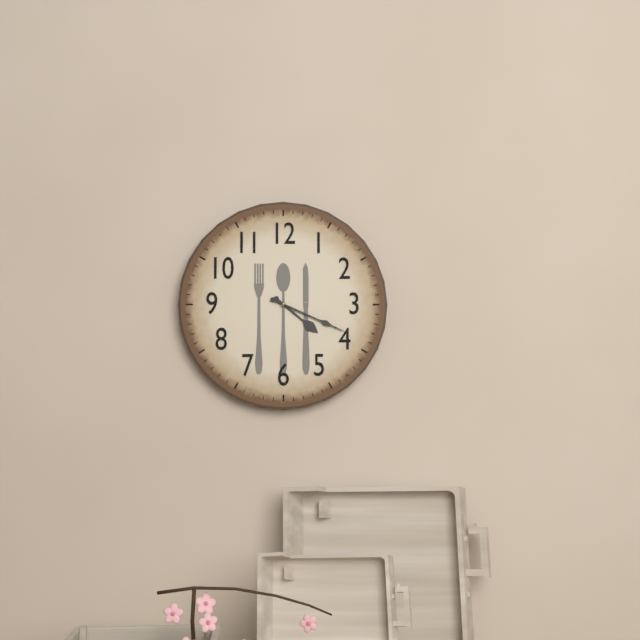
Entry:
h=4 m=19
